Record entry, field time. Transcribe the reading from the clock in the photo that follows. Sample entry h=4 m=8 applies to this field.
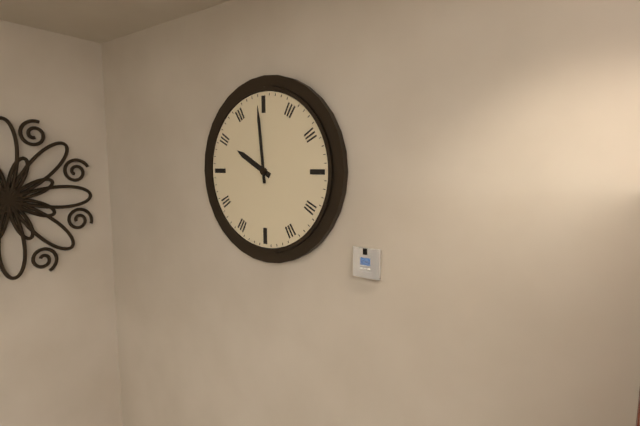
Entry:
h=9 m=59
